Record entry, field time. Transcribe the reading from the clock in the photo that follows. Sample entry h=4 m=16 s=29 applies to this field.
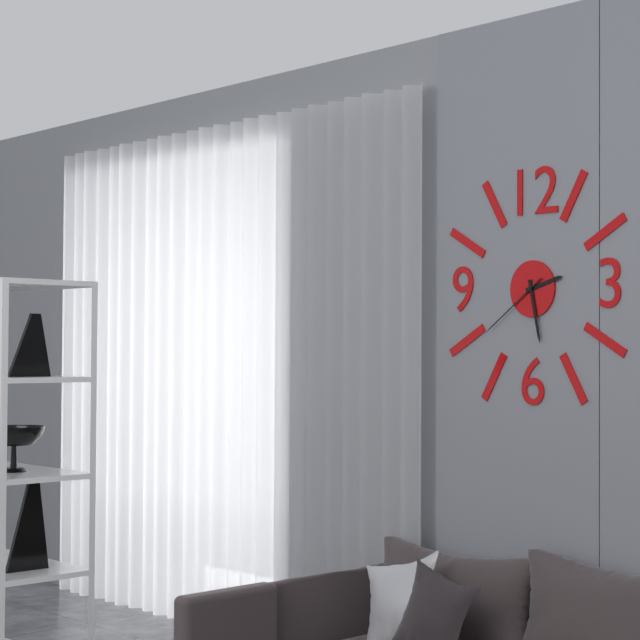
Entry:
h=2 m=28 s=39
